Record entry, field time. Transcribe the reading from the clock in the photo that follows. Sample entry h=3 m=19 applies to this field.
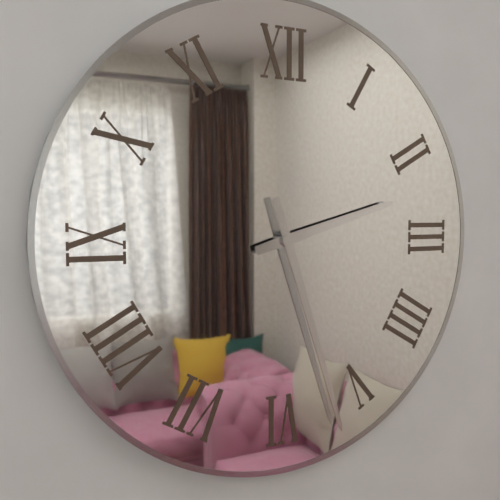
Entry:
h=2 m=27
